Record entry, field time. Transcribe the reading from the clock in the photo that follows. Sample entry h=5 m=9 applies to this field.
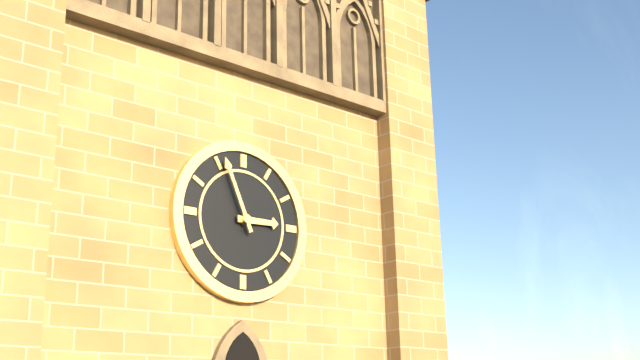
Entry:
h=2 m=56
